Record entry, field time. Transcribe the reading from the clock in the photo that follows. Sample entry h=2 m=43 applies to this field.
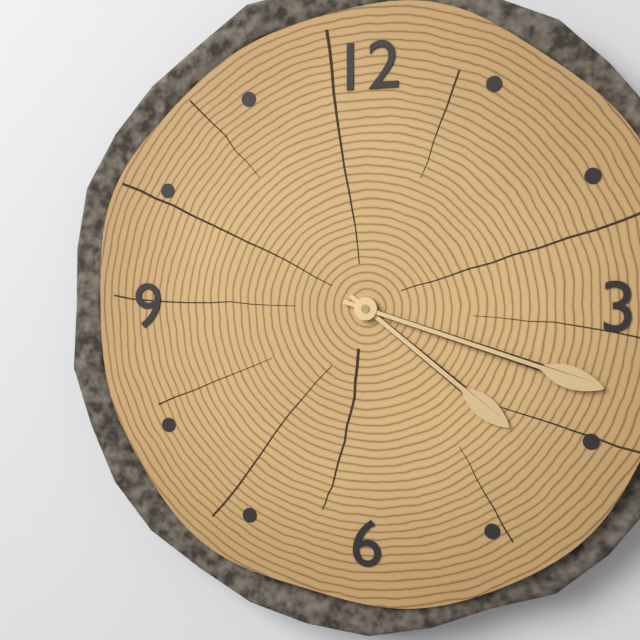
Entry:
h=4 m=18
